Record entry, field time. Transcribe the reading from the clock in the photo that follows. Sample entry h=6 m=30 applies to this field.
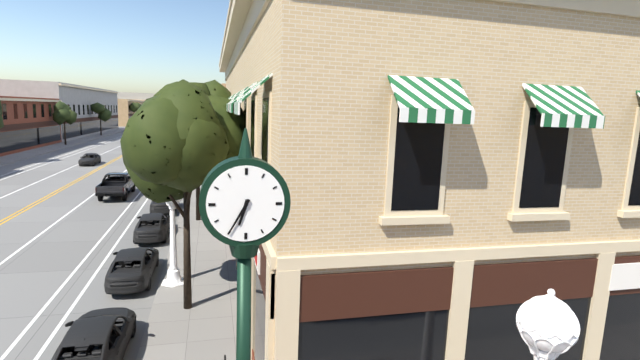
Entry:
h=6 m=35
